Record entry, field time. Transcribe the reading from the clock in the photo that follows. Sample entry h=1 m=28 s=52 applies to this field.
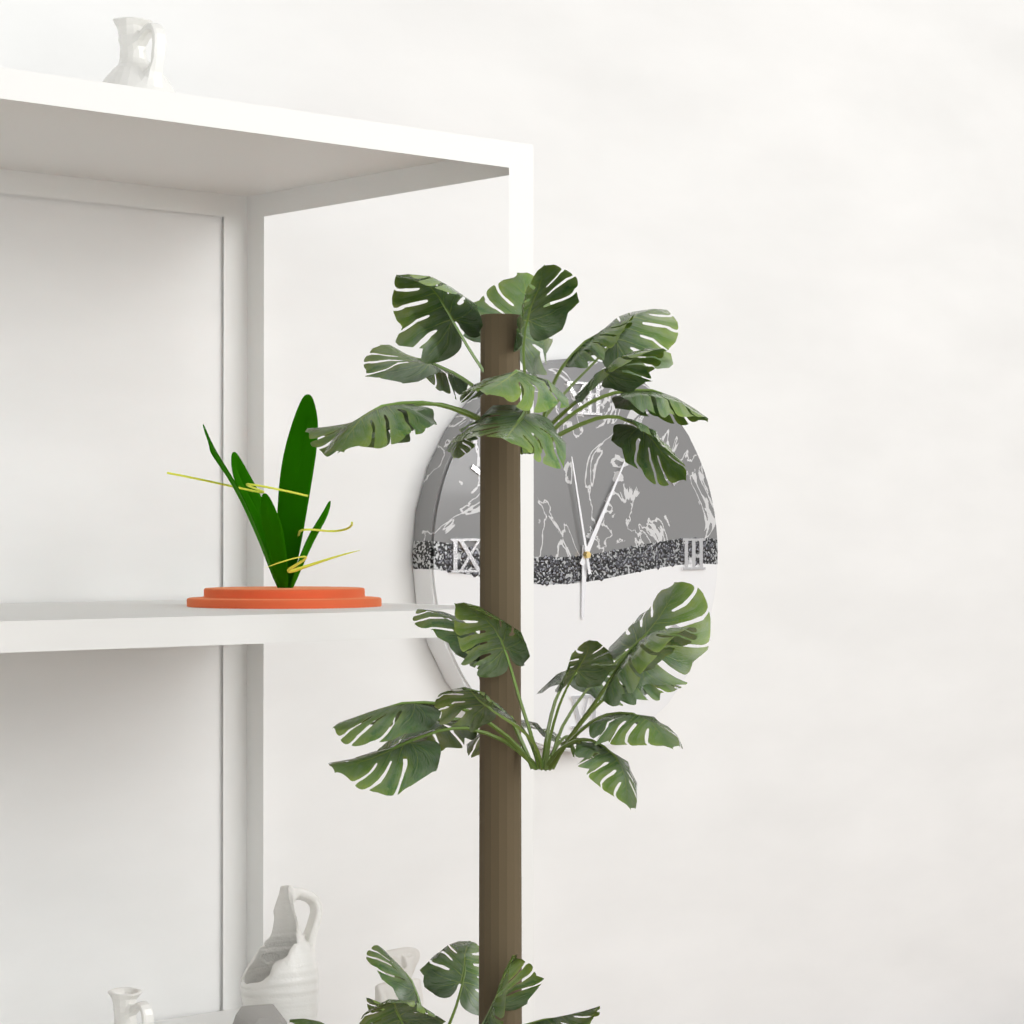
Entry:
h=6 m=5 s=58
